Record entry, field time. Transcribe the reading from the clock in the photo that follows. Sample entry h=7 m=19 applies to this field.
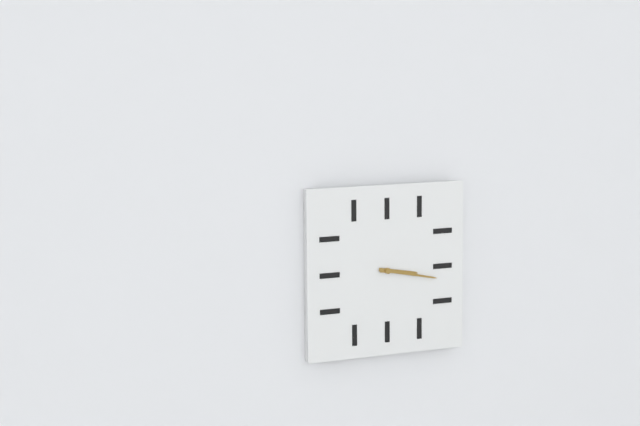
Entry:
h=3 m=17
